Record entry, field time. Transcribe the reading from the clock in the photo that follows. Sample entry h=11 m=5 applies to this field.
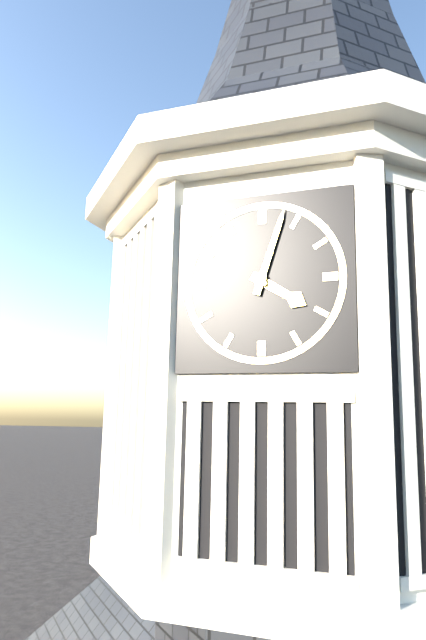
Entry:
h=4 m=3
